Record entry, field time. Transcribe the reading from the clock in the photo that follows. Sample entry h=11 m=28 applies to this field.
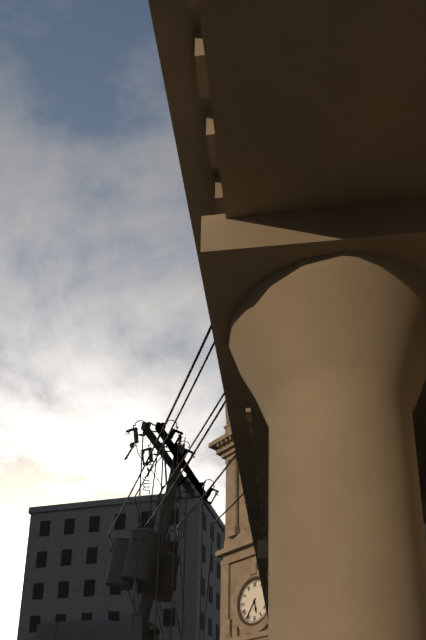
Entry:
h=5 m=36
